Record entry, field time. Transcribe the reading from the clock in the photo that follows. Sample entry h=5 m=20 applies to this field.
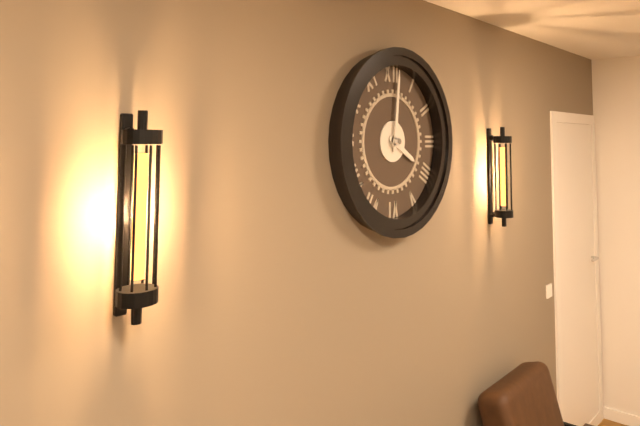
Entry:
h=4 m=1
